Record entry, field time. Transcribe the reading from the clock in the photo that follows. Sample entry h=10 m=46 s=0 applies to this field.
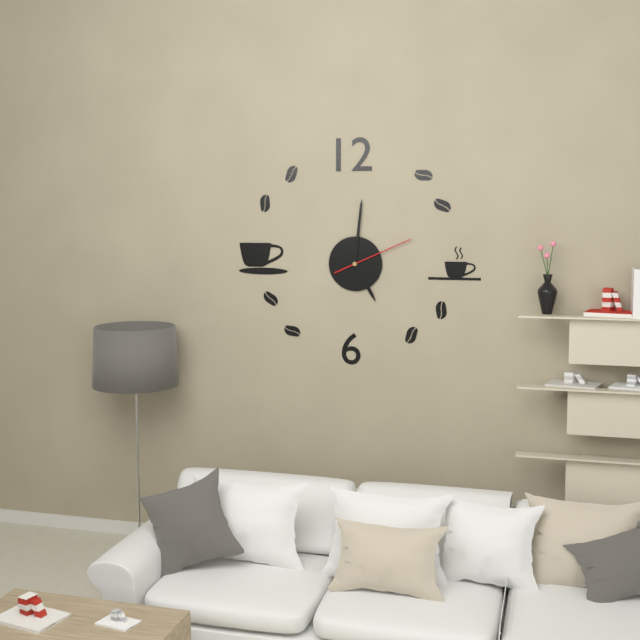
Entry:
h=5 m=1 s=11
